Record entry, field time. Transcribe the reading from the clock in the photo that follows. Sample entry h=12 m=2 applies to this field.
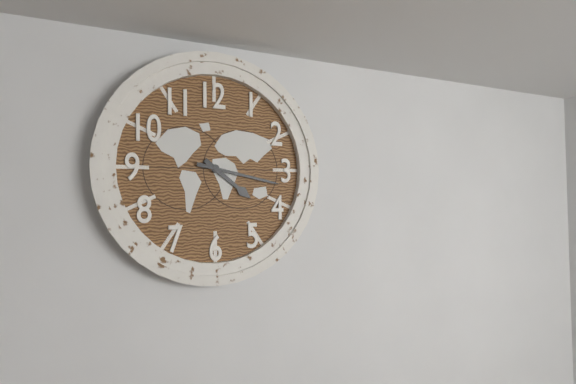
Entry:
h=4 m=17
